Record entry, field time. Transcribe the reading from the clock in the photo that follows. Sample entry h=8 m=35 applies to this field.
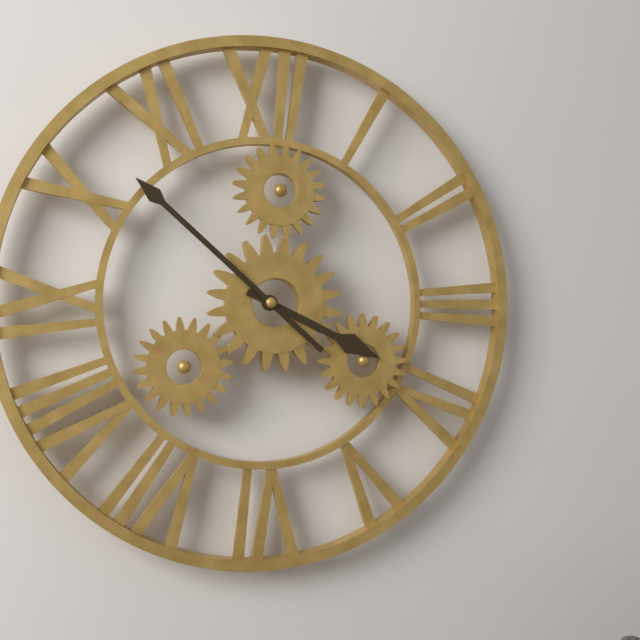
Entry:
h=3 m=52
